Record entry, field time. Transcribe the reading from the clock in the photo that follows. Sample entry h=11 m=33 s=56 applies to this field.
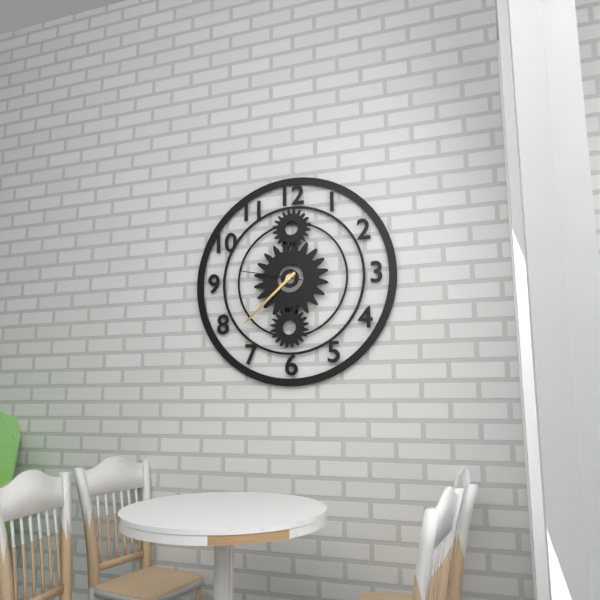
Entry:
h=7 m=38 s=47
